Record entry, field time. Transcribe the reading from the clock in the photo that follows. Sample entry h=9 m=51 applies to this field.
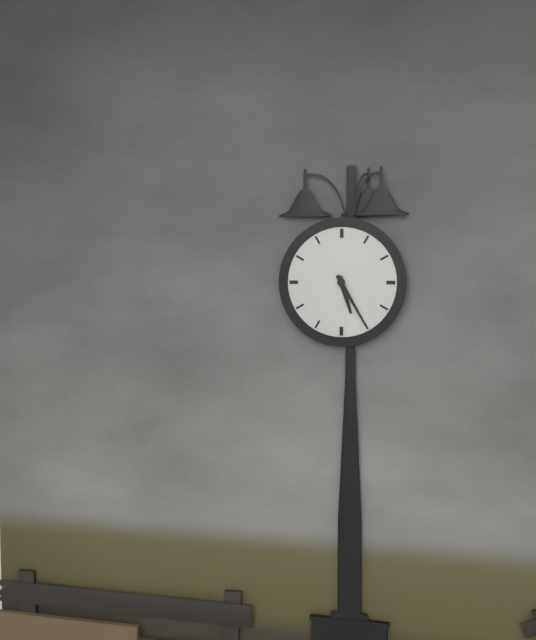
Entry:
h=5 m=25
